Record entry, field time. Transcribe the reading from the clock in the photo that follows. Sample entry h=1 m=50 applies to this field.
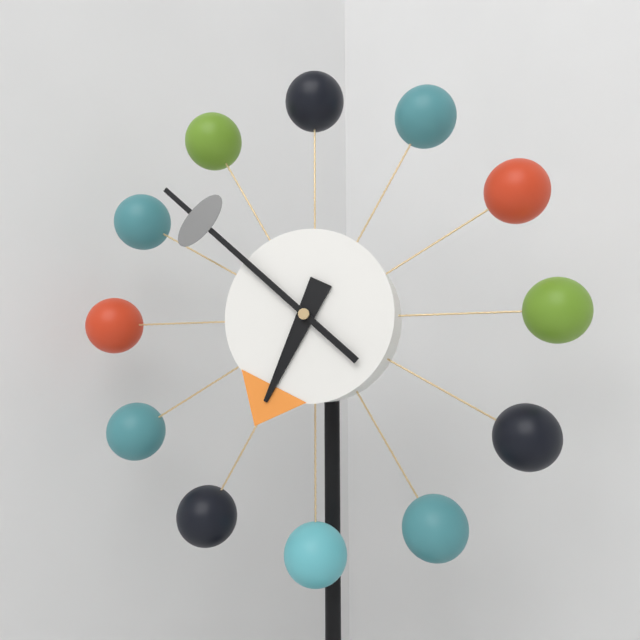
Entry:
h=6 m=52
